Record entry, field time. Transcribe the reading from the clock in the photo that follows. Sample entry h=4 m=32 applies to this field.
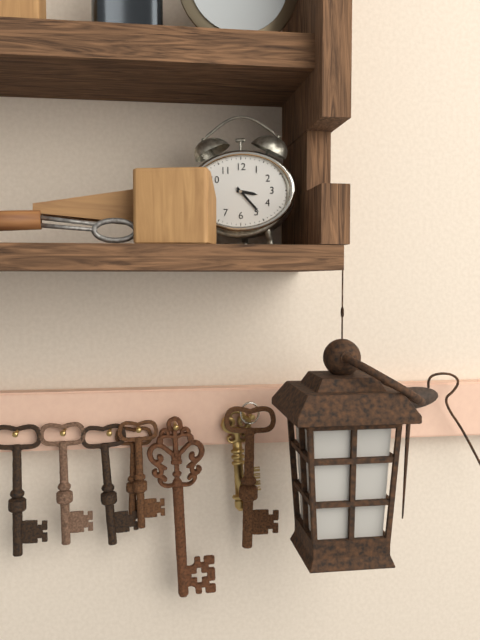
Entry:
h=3 m=23
